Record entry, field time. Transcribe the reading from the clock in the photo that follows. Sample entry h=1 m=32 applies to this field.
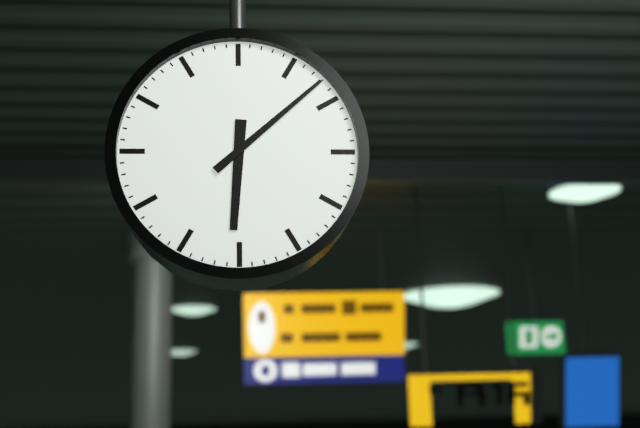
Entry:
h=6 m=8
